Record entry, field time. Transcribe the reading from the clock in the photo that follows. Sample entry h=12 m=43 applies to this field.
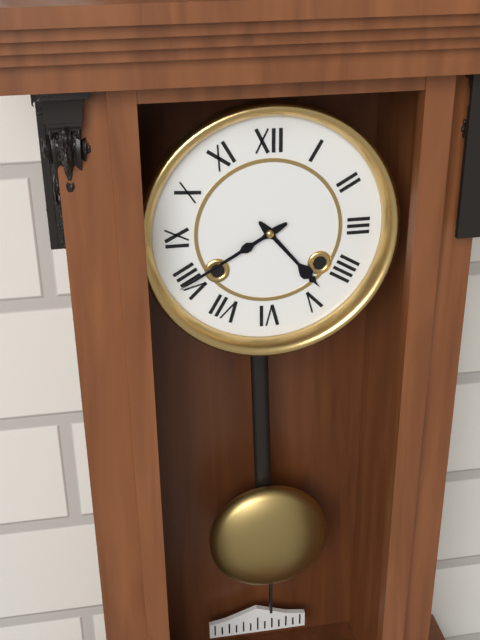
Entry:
h=4 m=40
